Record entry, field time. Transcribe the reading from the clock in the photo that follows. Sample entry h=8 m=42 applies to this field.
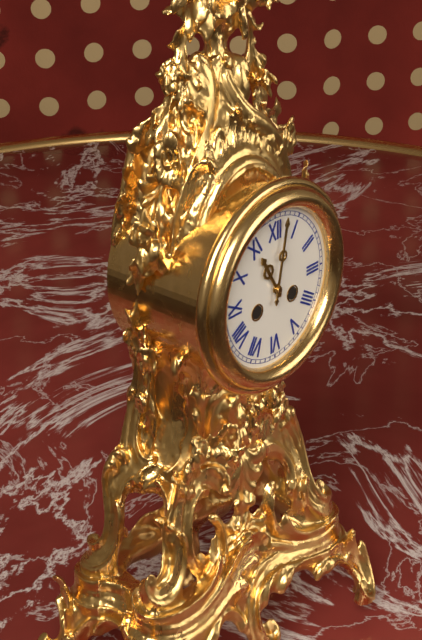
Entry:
h=11 m=2
